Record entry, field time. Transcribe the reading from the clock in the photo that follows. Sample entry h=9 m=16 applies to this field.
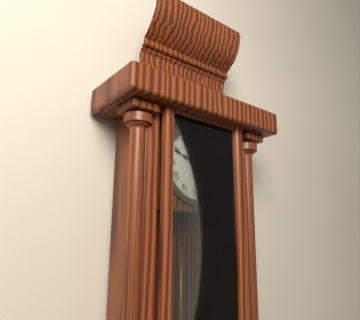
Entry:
h=9 m=49
